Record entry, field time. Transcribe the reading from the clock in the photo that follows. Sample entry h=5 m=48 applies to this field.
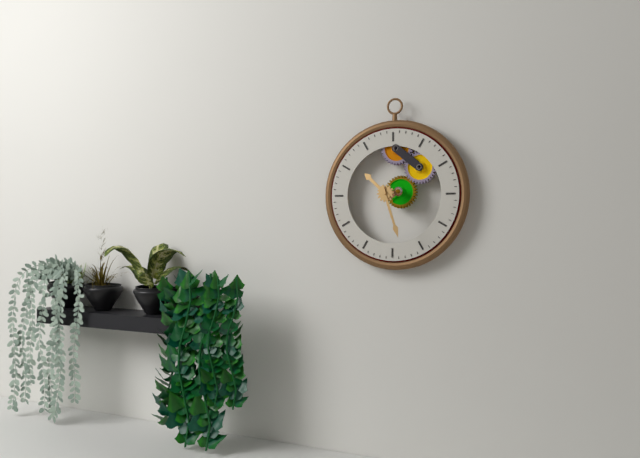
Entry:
h=10 m=27
